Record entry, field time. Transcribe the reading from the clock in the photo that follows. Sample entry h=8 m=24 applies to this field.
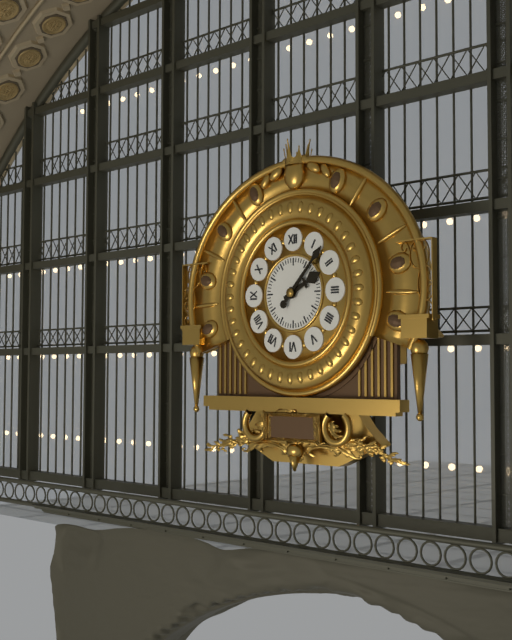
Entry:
h=2 m=7
